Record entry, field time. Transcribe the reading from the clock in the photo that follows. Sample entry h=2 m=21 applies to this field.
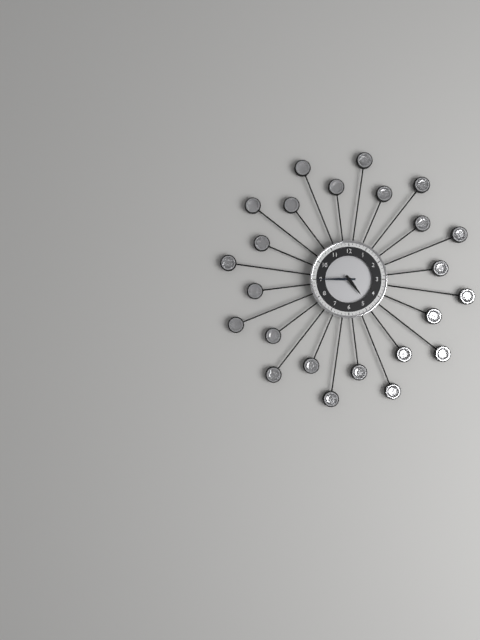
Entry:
h=4 m=45
